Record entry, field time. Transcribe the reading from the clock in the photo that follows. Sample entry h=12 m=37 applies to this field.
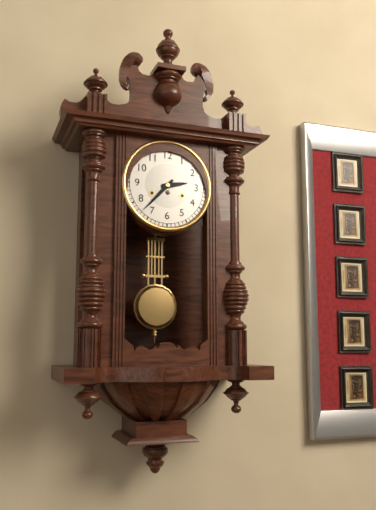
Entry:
h=2 m=37
